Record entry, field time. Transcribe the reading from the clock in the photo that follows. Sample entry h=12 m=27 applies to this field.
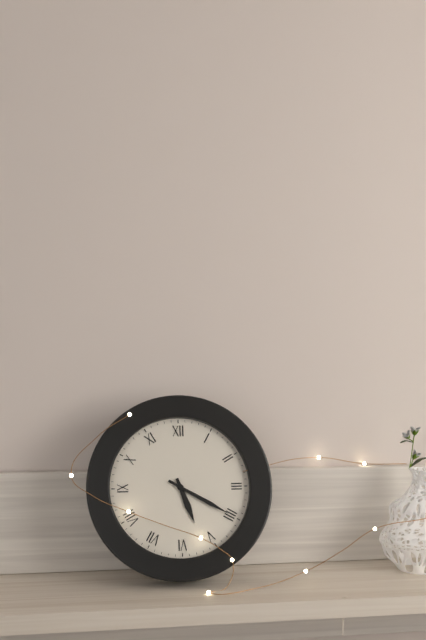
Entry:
h=5 m=20
